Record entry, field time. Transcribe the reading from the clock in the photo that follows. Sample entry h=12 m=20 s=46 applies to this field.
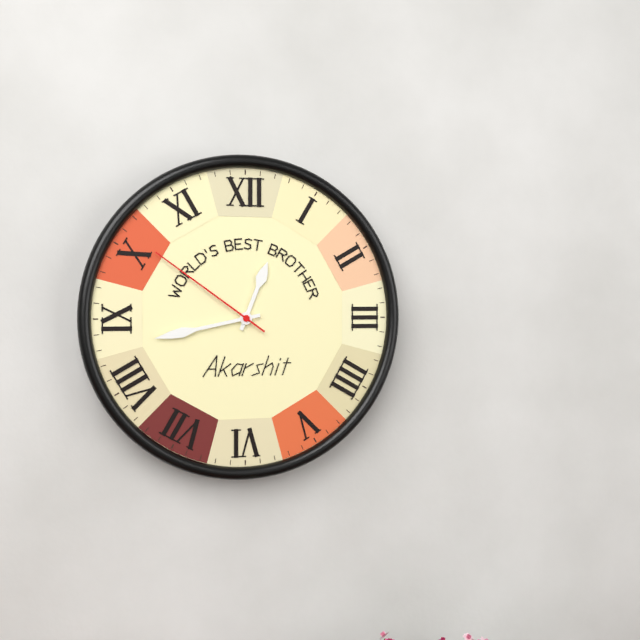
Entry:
h=12 m=43 s=51
